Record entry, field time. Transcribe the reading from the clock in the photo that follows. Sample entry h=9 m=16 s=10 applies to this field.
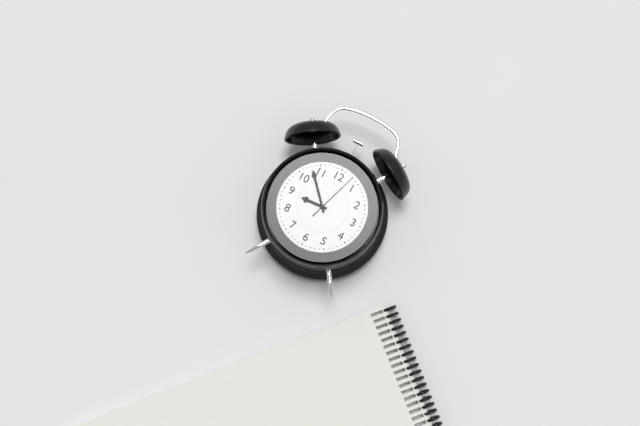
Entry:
h=8 m=53 s=3
